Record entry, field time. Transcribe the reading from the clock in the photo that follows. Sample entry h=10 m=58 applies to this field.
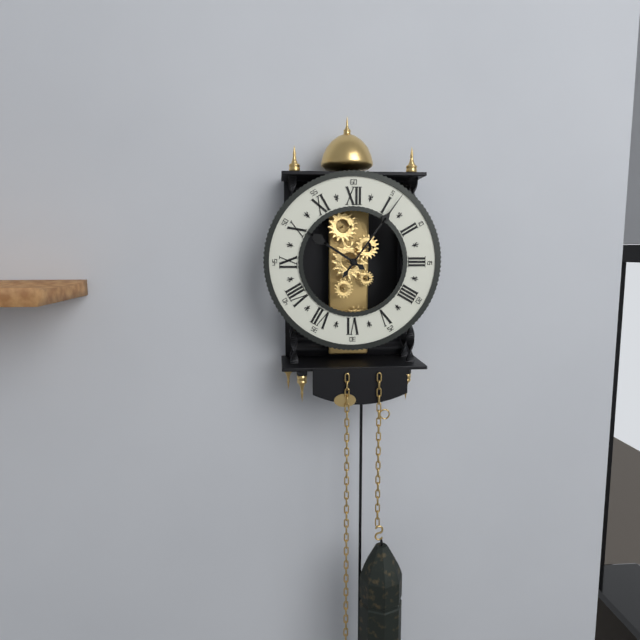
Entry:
h=10 m=6
